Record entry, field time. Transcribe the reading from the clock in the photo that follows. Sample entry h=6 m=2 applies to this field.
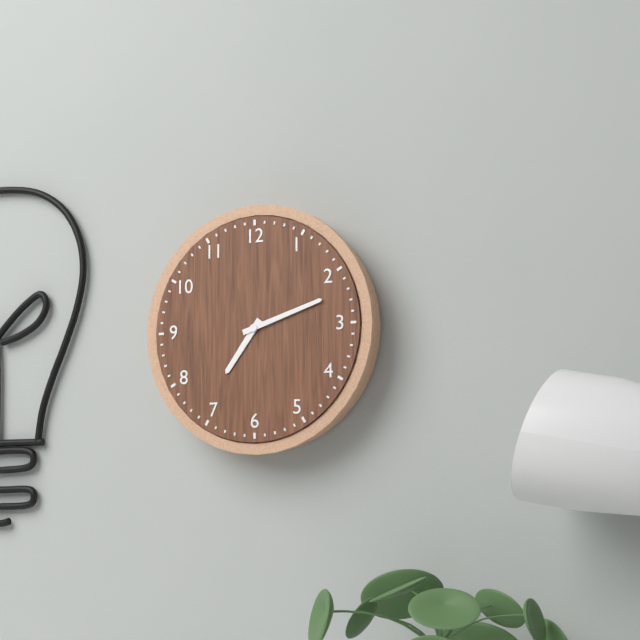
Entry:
h=7 m=12
